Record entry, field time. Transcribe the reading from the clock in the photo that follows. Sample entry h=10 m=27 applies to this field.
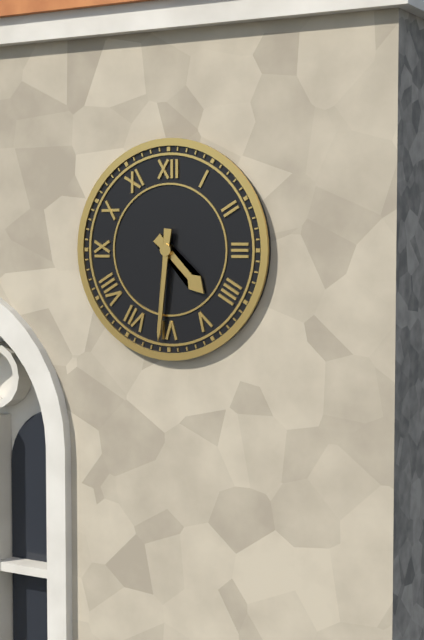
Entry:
h=4 m=31
